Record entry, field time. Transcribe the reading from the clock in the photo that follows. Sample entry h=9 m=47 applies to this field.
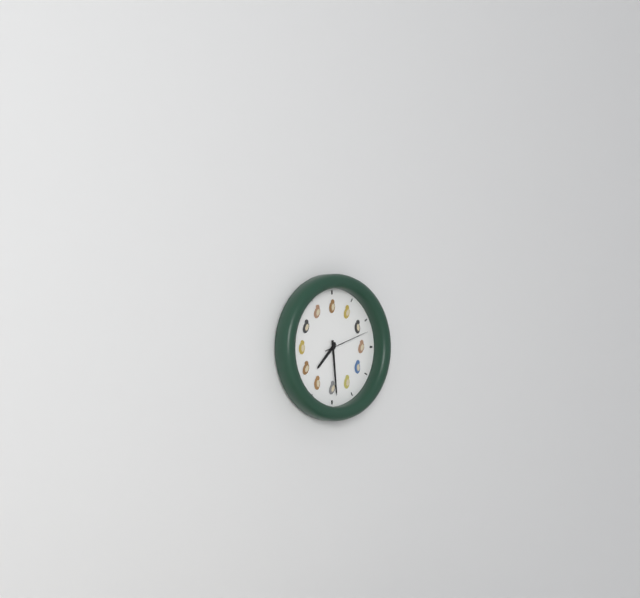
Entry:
h=7 m=29
